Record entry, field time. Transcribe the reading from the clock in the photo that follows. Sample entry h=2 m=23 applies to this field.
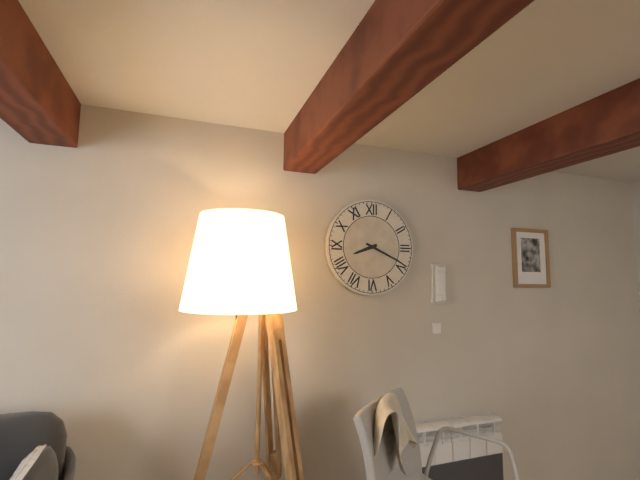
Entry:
h=8 m=19
